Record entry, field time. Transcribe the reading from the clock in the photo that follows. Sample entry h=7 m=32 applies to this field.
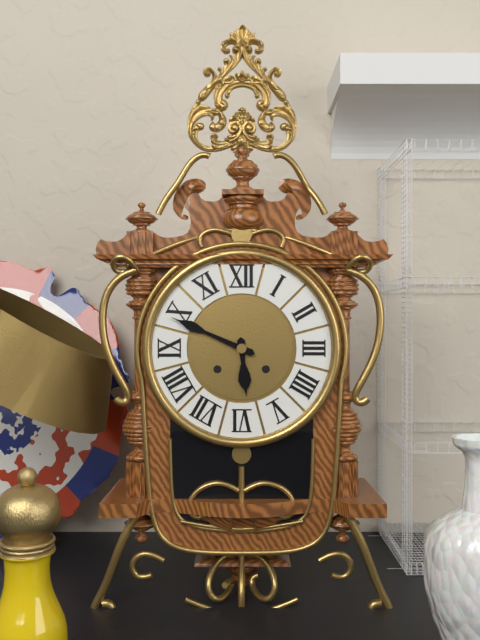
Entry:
h=5 m=49
